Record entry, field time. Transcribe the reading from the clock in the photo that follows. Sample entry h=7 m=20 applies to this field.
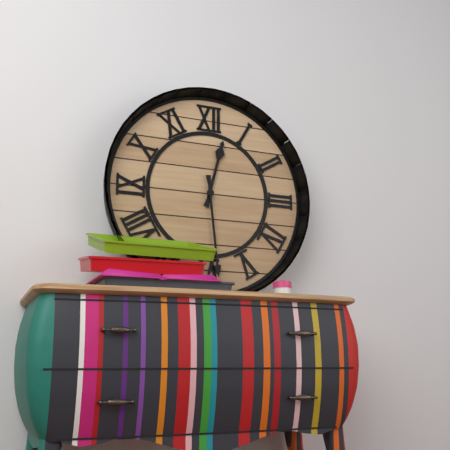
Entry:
h=12 m=29
